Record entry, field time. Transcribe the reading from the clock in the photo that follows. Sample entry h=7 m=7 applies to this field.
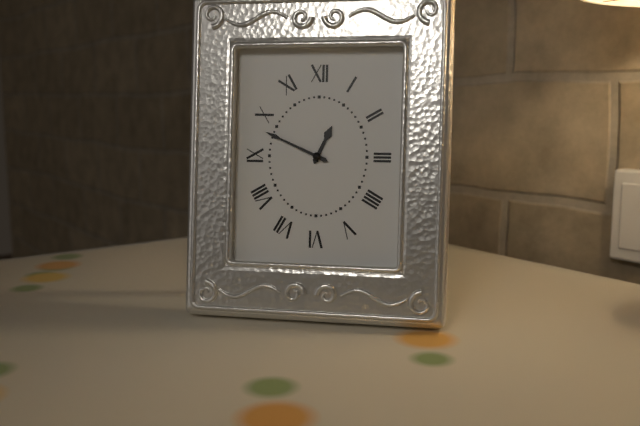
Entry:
h=12 m=49
